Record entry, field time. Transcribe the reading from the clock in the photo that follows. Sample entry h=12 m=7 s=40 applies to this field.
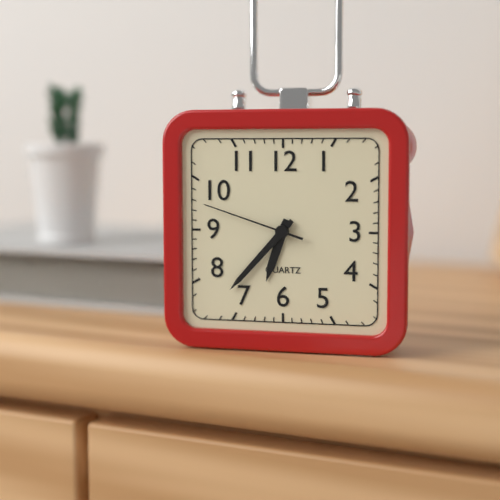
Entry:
h=6 m=37 s=48
